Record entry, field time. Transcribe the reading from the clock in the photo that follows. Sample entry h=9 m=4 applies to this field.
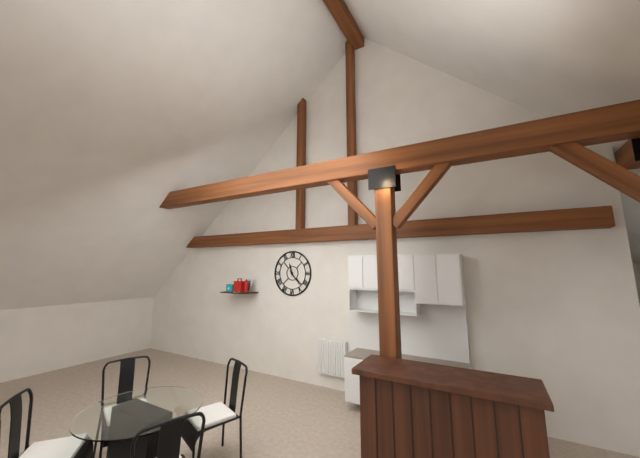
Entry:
h=11 m=23
